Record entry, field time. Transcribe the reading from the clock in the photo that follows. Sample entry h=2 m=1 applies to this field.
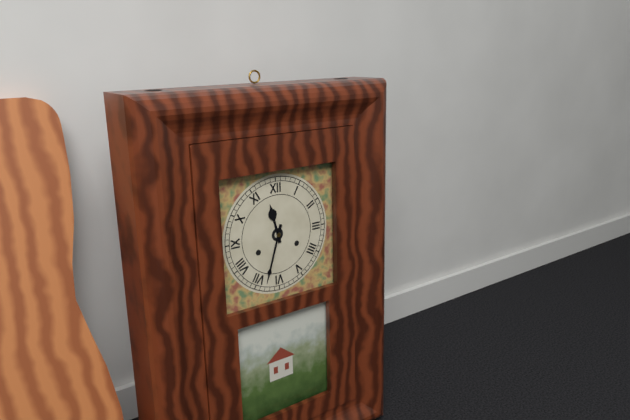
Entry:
h=11 m=33
